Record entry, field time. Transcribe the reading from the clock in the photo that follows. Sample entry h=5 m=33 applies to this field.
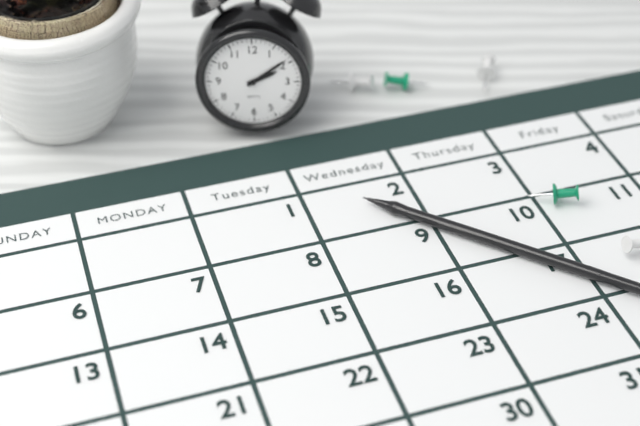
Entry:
h=2 m=9
